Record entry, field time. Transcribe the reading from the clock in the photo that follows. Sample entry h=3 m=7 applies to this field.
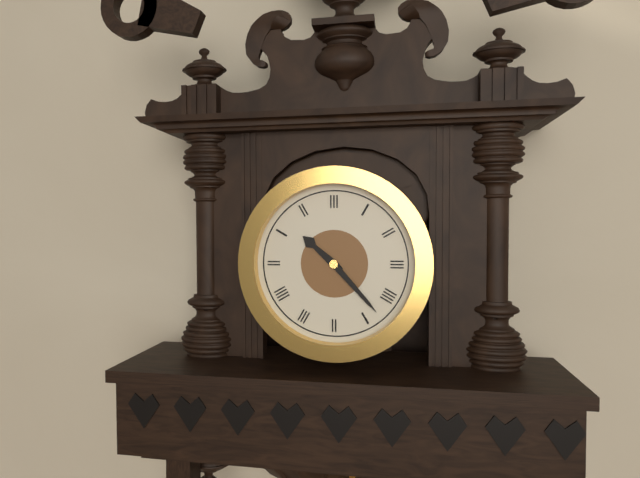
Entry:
h=10 m=23
